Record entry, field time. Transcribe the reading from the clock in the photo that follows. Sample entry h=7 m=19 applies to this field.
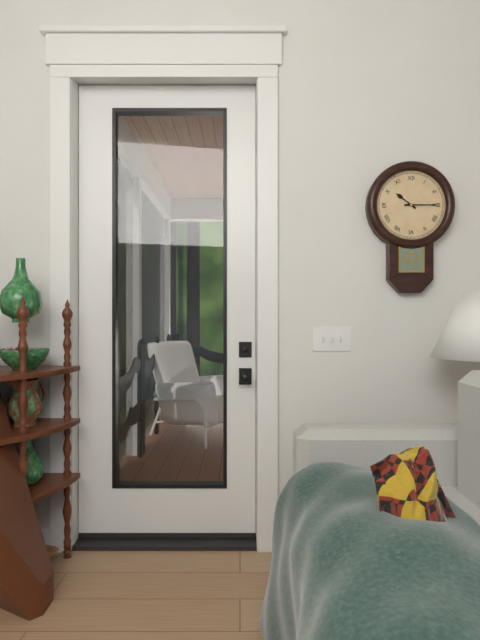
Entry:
h=10 m=15
